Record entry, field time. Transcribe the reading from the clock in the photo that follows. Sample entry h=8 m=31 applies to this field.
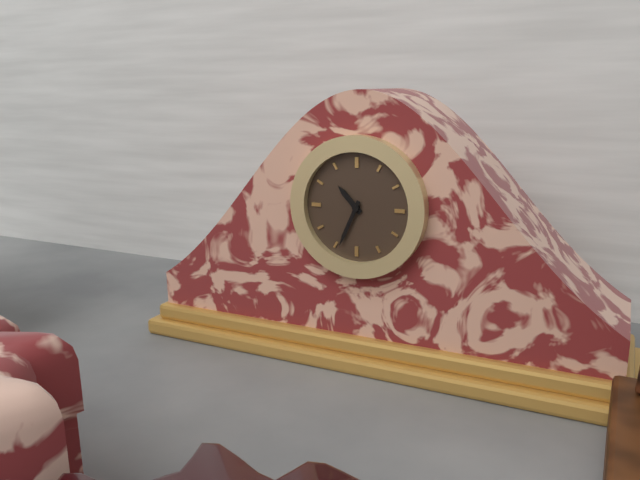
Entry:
h=10 m=34
